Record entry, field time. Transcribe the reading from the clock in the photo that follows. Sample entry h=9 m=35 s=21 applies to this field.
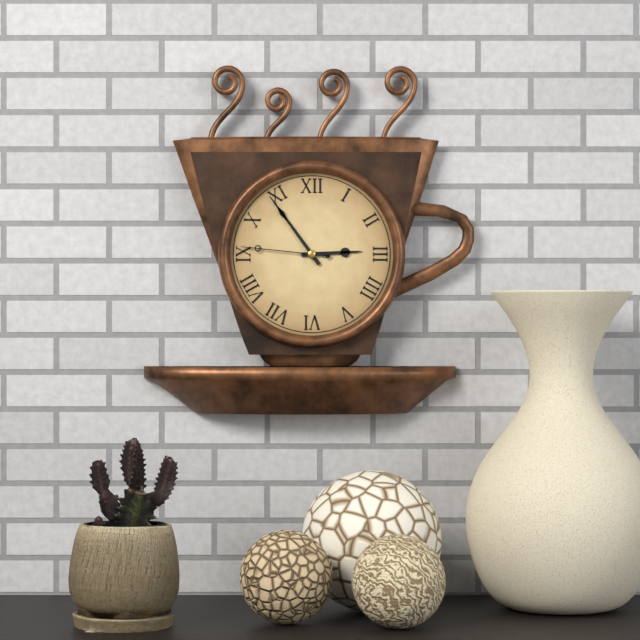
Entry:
h=2 m=54 s=46
